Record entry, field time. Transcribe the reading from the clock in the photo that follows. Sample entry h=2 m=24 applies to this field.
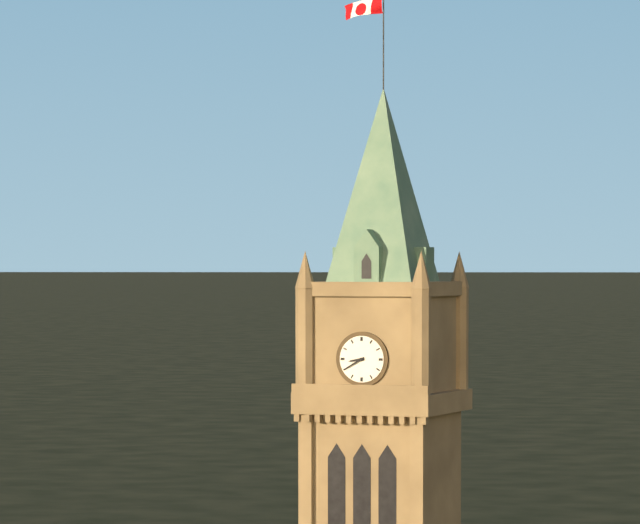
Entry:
h=8 m=40
